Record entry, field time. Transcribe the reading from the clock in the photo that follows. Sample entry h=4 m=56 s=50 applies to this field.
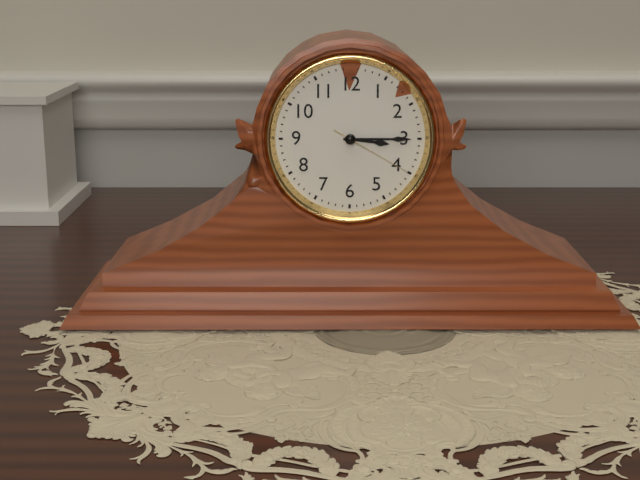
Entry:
h=3 m=15 s=20
